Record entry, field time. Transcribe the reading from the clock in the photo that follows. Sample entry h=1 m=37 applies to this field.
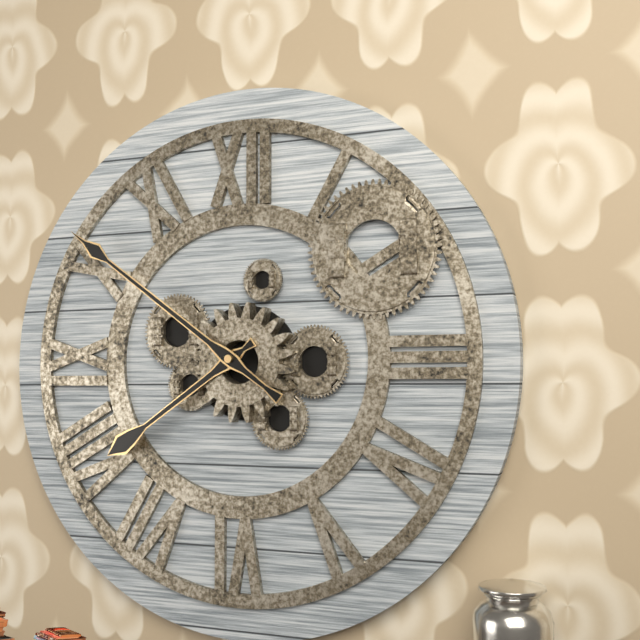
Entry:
h=7 m=51
